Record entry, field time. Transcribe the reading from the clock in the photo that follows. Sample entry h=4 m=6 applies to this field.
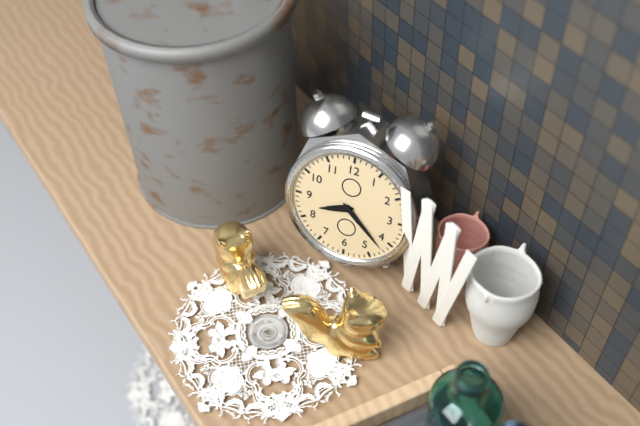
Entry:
h=8 m=22
